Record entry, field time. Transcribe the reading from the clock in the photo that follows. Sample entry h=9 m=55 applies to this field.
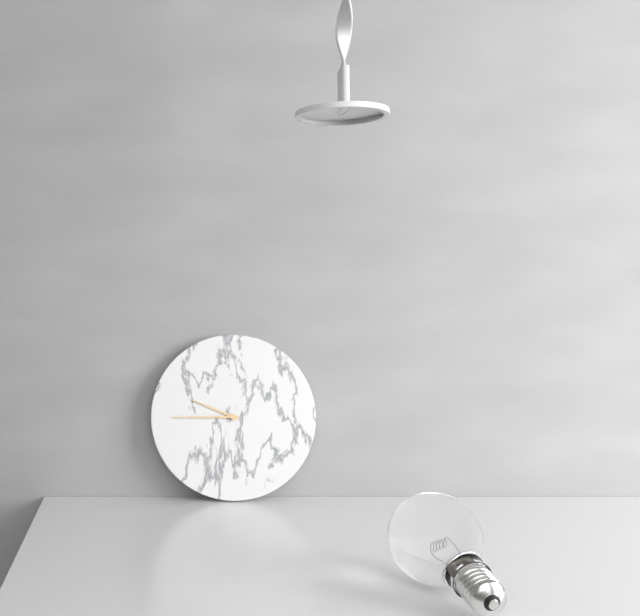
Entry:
h=9 m=45
